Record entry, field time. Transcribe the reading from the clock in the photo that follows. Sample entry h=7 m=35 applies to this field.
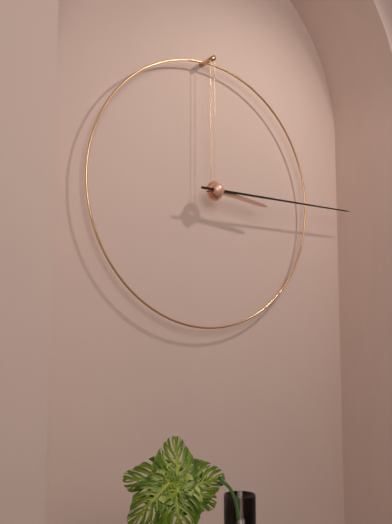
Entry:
h=3 m=15
